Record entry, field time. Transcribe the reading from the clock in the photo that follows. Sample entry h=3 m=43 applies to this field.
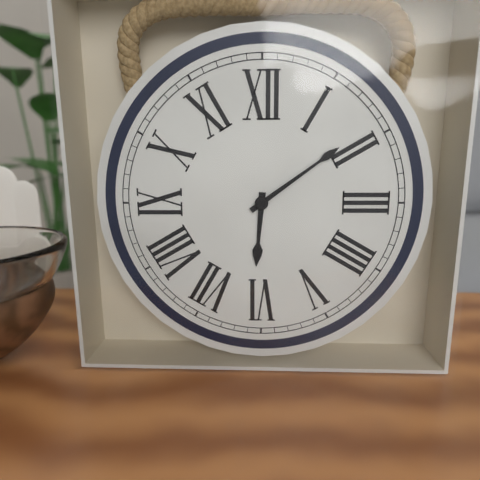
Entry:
h=6 m=9
